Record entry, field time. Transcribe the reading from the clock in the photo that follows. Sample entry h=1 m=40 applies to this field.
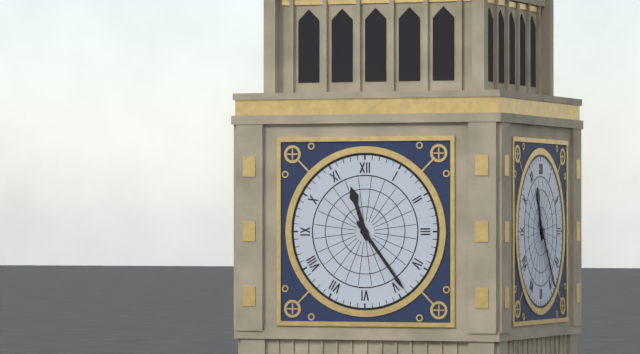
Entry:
h=11 m=24
